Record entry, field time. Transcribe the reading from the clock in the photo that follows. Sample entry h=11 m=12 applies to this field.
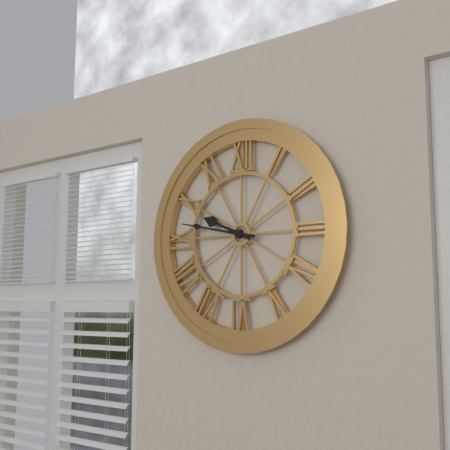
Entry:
h=9 m=47
